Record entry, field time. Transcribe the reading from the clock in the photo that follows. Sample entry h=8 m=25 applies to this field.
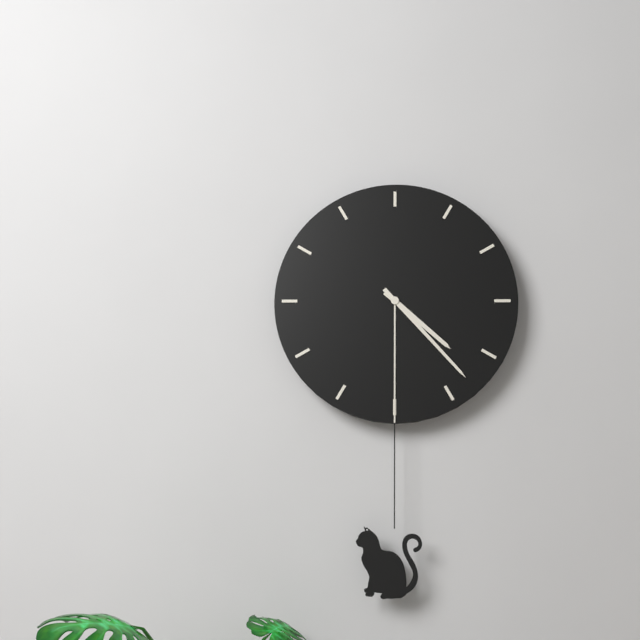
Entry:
h=4 m=23
